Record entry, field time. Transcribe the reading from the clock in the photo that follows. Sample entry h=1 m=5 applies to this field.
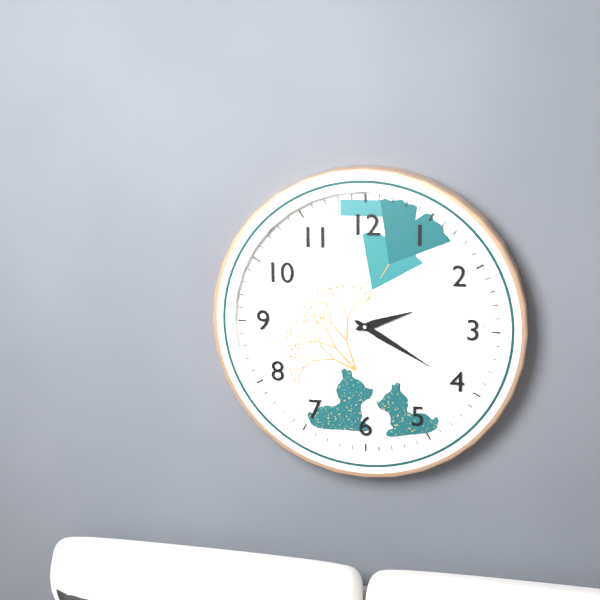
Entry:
h=2 m=20
